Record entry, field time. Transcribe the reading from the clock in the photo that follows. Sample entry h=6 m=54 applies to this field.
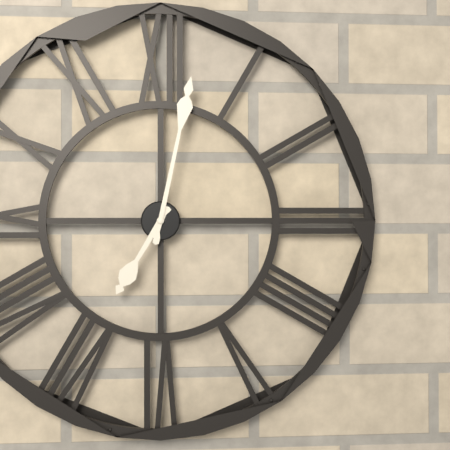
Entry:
h=7 m=2
